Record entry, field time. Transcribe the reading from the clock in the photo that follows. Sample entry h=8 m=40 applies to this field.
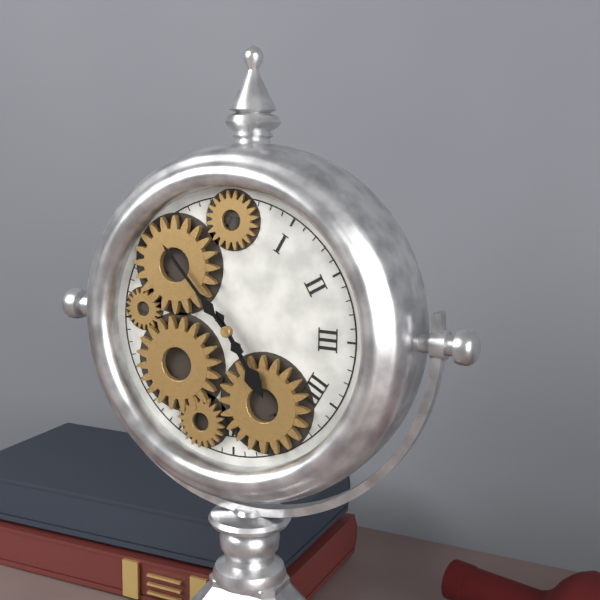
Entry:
h=4 m=53
